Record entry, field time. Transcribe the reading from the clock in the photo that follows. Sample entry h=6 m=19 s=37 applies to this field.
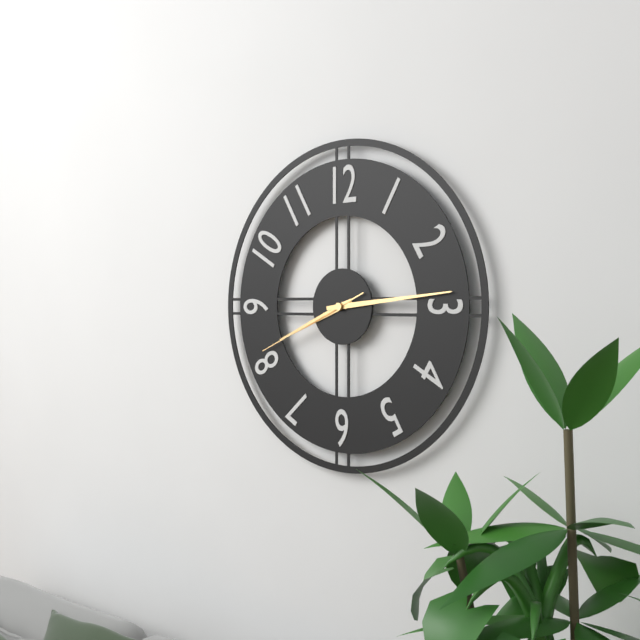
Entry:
h=8 m=14 s=41
